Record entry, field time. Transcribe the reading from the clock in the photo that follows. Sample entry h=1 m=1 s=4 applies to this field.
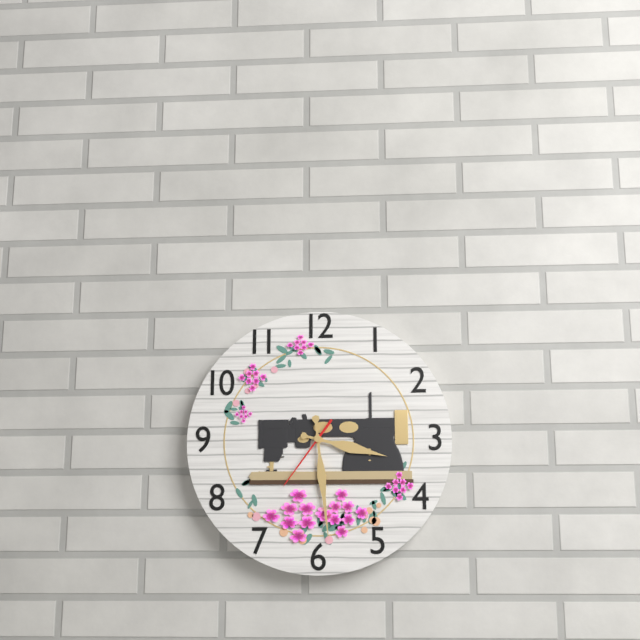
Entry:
h=3 m=29 s=36
